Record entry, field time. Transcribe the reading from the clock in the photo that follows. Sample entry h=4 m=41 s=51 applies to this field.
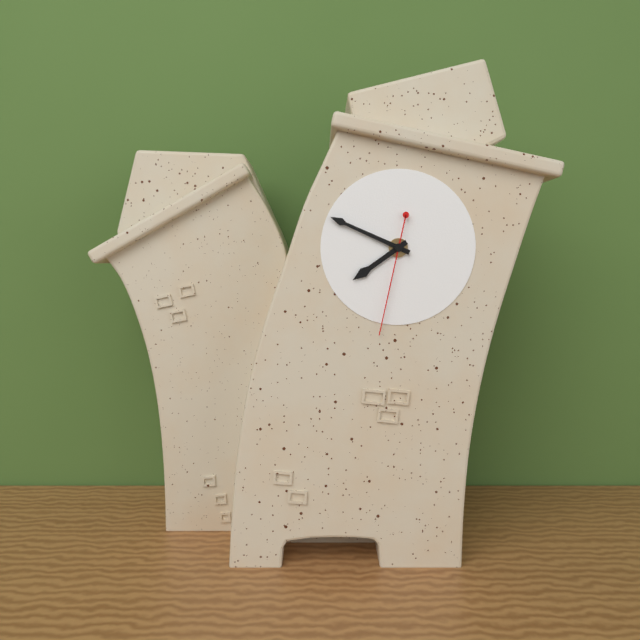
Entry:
h=7 m=49 s=32
